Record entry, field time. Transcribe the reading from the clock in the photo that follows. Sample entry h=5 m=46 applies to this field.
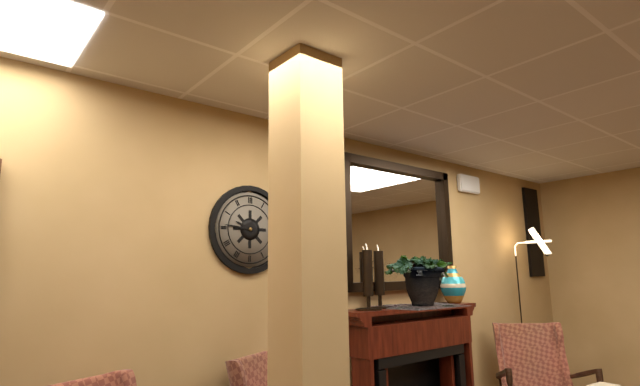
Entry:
h=9 m=46
